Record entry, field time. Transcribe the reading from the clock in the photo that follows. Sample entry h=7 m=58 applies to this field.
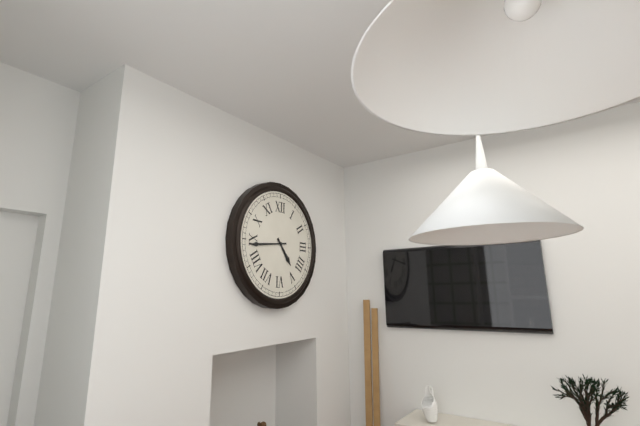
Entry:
h=4 m=44
